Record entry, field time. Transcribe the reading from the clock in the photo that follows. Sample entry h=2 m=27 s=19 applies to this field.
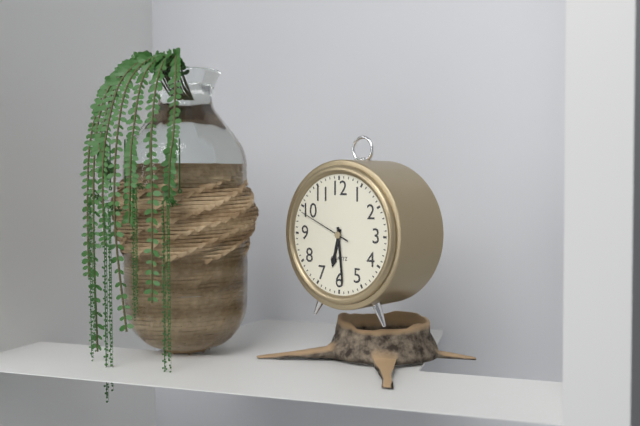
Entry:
h=6 m=29 s=49
